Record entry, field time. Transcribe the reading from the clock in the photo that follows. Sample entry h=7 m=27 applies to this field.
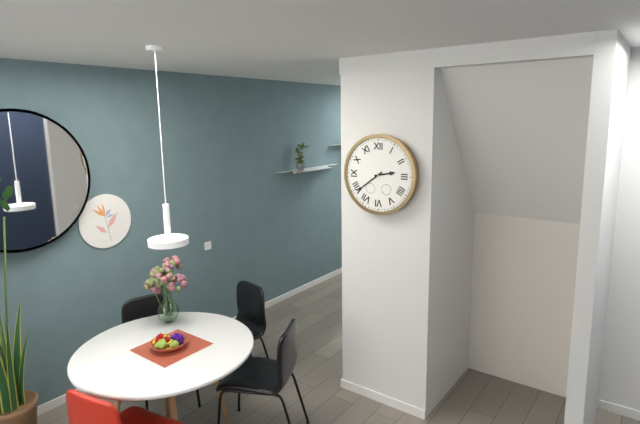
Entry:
h=2 m=39
